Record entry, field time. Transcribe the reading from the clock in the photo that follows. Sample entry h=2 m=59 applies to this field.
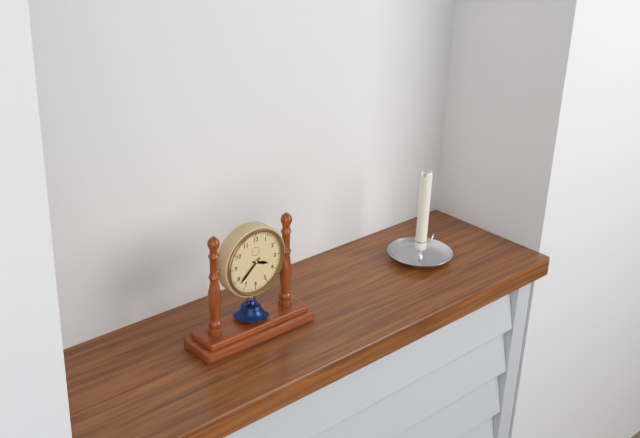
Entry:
h=3 m=38
